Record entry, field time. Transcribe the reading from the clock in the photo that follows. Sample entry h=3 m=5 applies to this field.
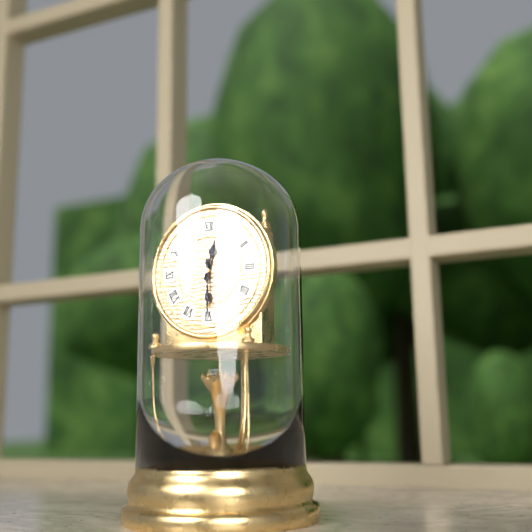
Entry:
h=12 m=30
